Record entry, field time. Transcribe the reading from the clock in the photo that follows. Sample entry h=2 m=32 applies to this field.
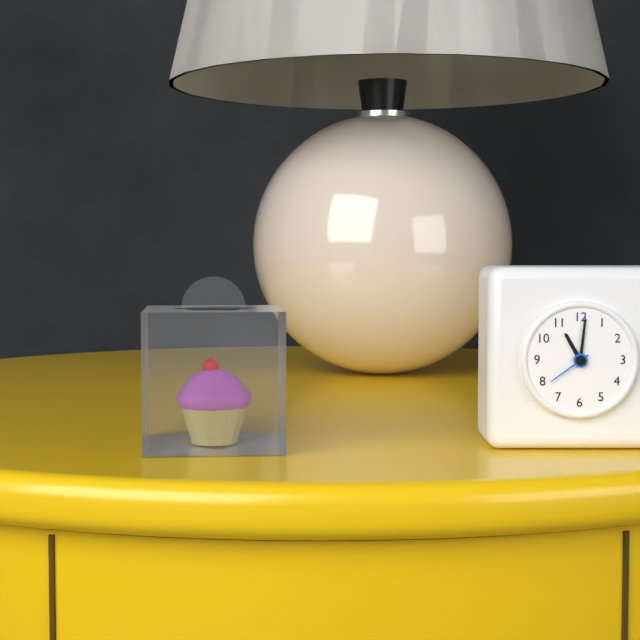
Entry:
h=11 m=1
